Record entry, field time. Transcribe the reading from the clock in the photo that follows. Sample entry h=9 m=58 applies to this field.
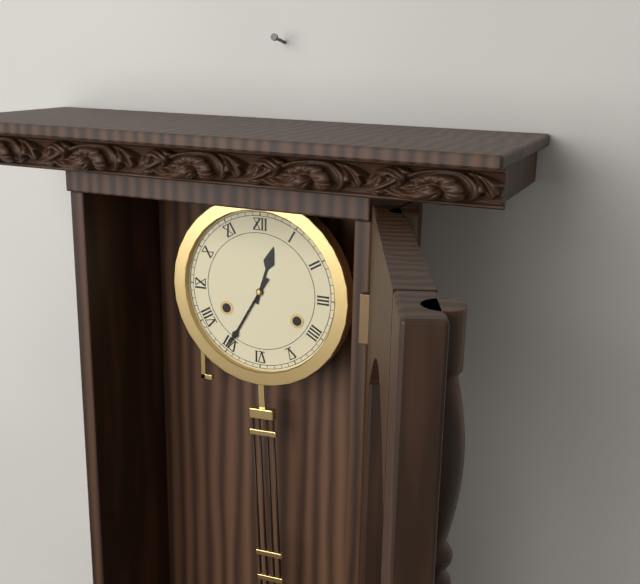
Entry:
h=12 m=35
